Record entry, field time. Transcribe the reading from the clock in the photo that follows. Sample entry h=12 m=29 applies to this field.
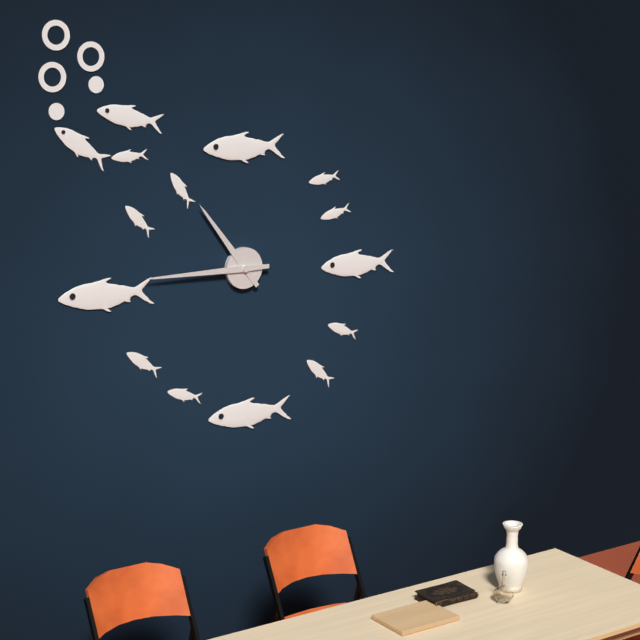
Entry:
h=10 m=45
